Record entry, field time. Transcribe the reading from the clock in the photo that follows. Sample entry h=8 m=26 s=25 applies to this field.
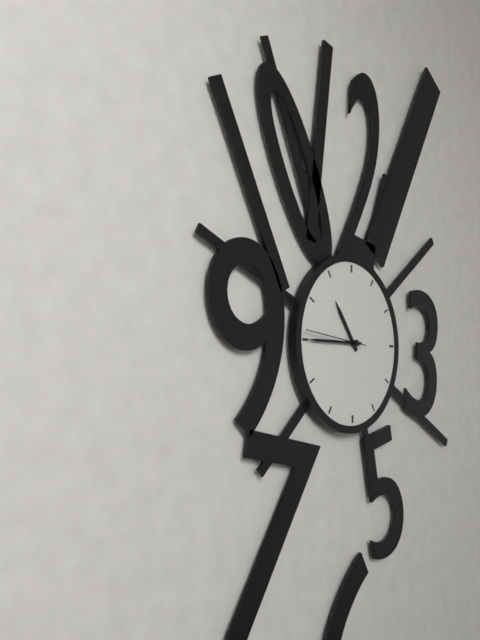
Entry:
h=10 m=45 s=46
